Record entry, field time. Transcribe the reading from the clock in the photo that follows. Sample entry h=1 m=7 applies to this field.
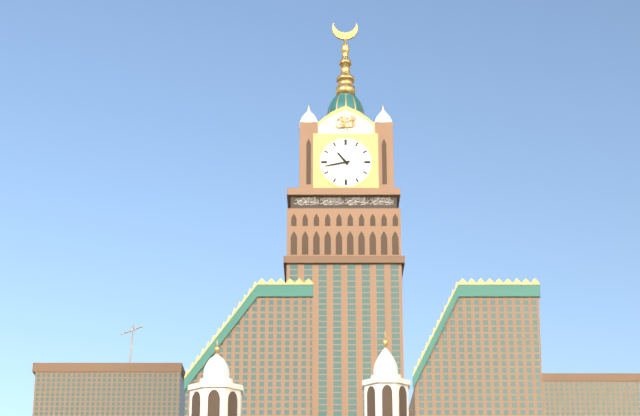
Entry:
h=10 m=43
